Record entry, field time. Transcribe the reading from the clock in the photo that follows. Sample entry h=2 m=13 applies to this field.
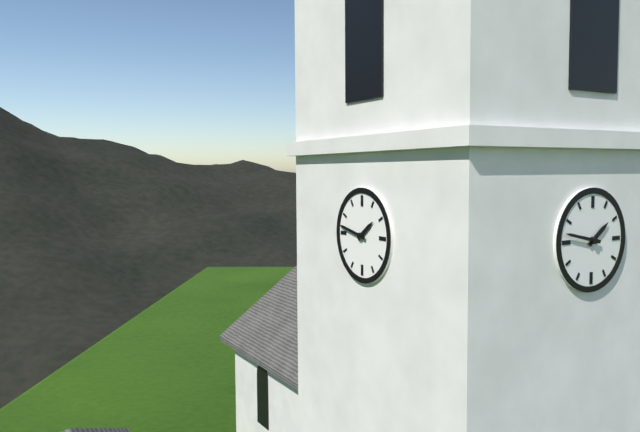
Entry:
h=1 m=47
